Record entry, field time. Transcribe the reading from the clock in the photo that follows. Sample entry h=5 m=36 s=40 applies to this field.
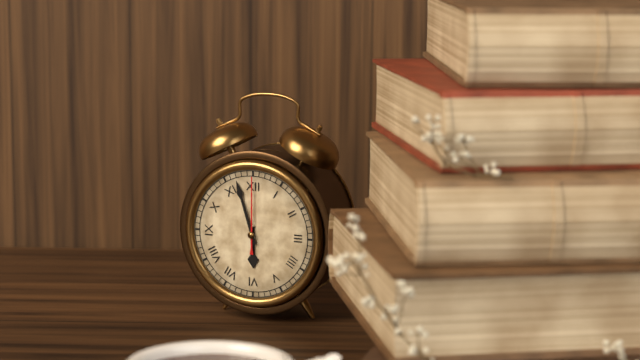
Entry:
h=5 m=57 s=0
